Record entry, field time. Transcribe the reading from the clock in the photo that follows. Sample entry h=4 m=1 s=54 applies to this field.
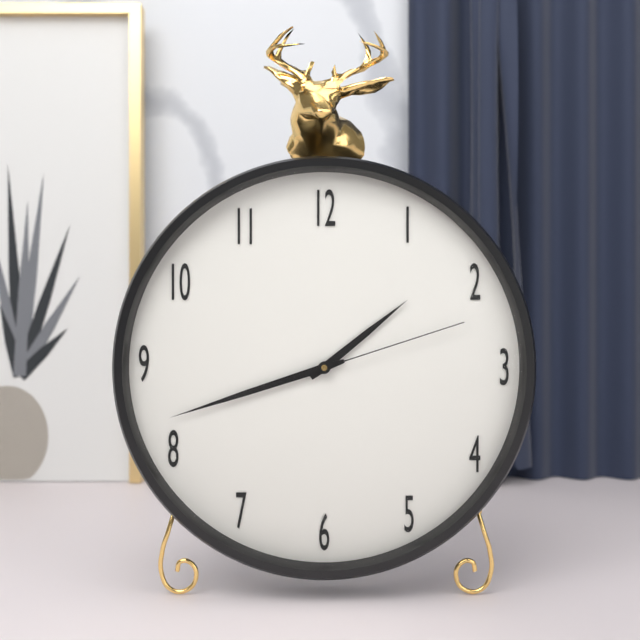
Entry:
h=1 m=42 s=12
